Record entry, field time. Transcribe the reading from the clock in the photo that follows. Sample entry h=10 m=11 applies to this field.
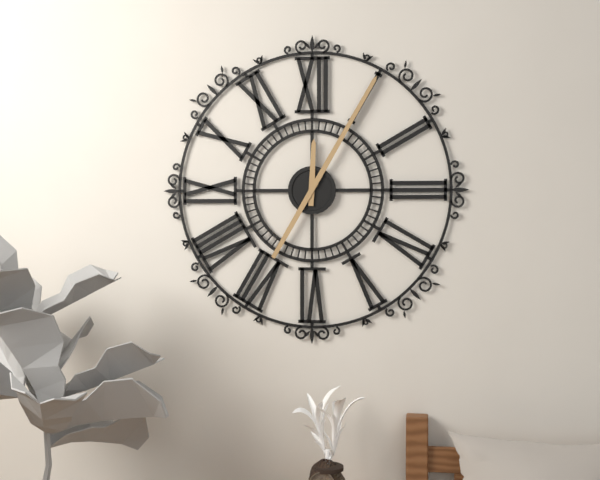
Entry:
h=12 m=5
